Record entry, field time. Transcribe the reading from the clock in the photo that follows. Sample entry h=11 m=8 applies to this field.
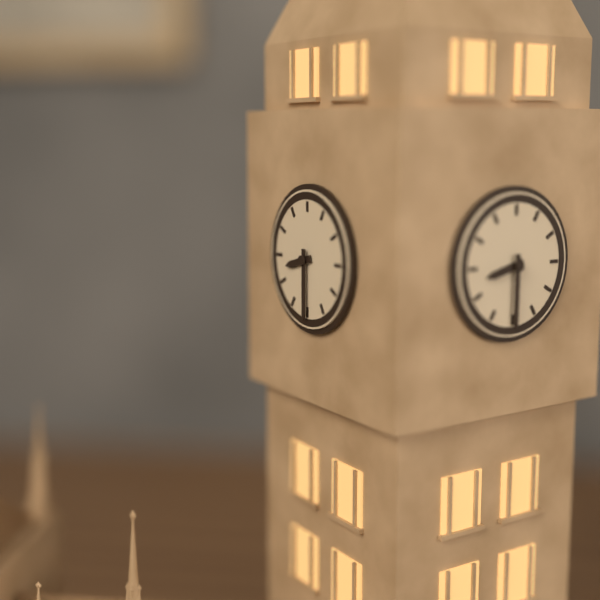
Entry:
h=8 m=30
